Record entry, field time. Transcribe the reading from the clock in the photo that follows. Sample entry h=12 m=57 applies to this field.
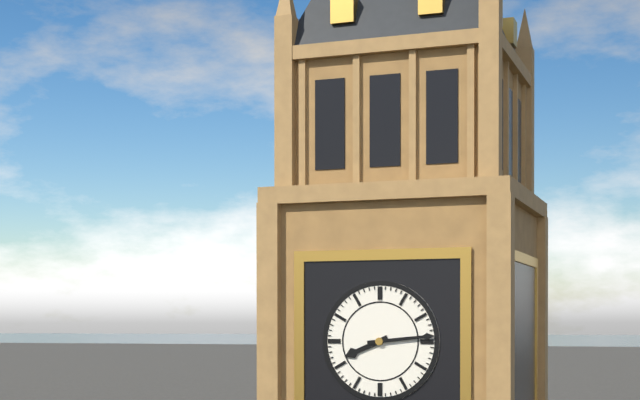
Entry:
h=8 m=14
